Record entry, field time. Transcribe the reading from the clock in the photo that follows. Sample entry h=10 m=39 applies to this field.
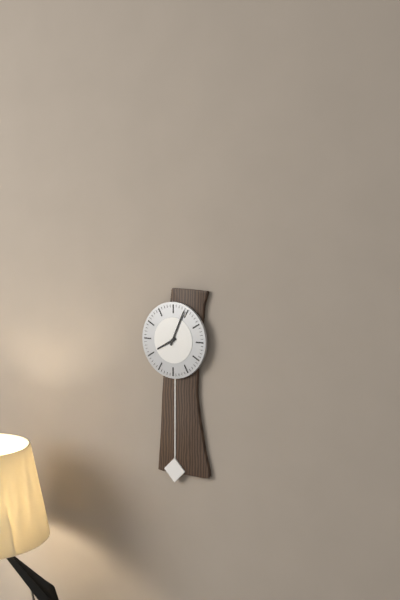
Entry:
h=8 m=4
